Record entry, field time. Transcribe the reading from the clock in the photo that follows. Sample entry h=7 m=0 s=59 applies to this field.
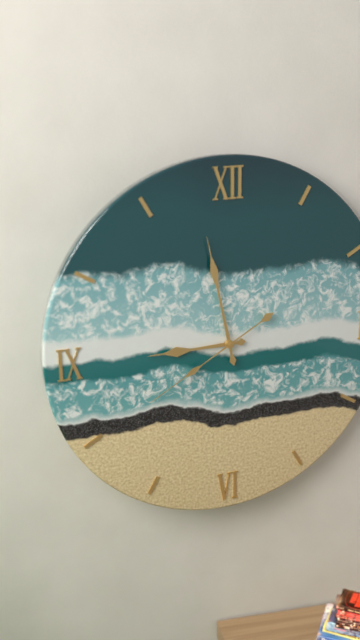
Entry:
h=8 m=58 s=40
